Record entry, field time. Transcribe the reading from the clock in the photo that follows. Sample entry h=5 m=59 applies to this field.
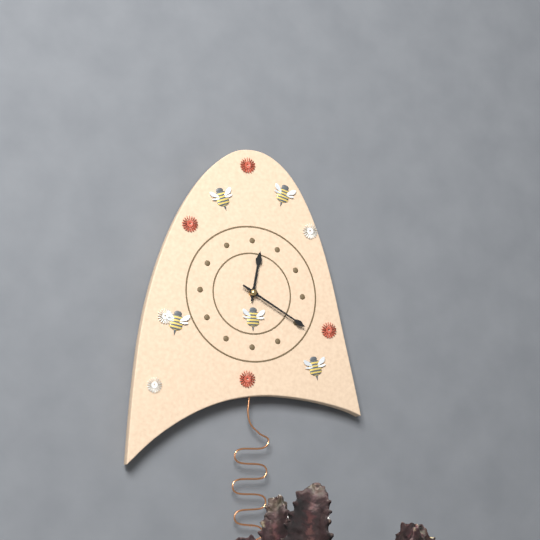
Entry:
h=12 m=20
